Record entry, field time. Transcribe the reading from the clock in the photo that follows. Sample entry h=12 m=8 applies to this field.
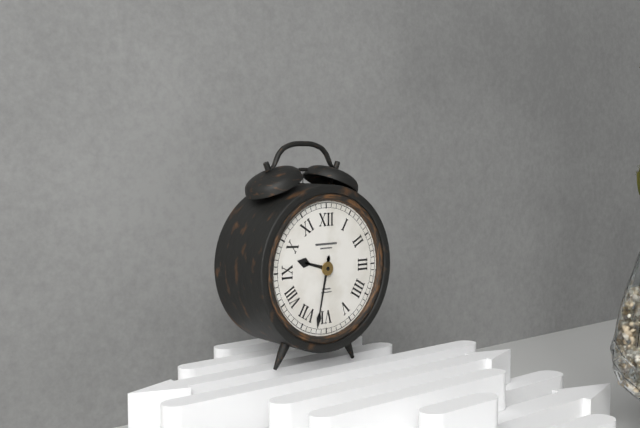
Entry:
h=9 m=32
